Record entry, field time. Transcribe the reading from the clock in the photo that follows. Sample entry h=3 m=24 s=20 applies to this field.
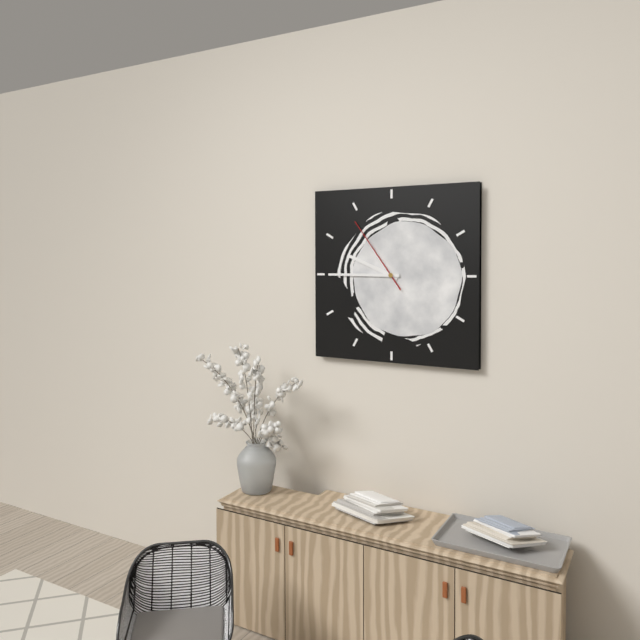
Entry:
h=9 m=45 s=54
